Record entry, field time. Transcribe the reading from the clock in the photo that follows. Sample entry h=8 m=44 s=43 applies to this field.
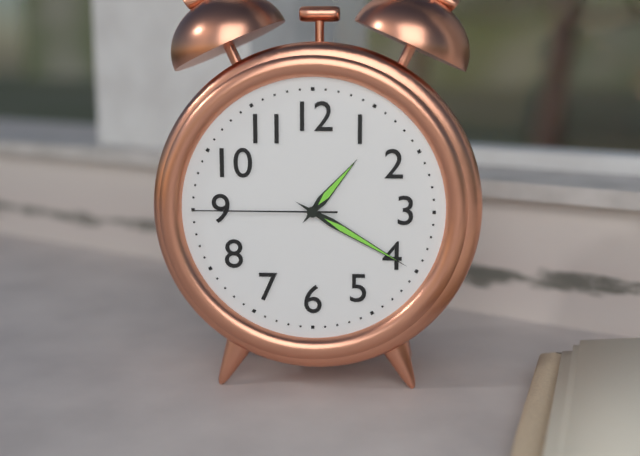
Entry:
h=1 m=20 s=45
